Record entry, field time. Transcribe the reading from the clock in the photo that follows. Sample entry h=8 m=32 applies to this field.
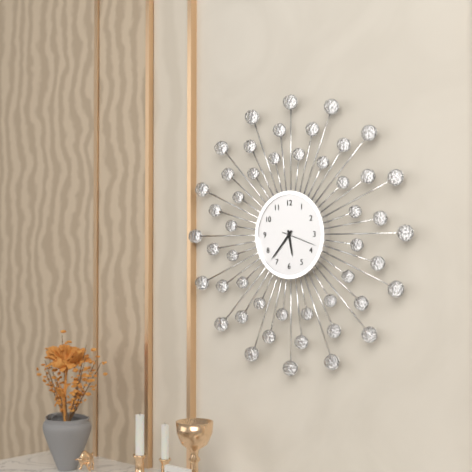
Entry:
h=5 m=37
